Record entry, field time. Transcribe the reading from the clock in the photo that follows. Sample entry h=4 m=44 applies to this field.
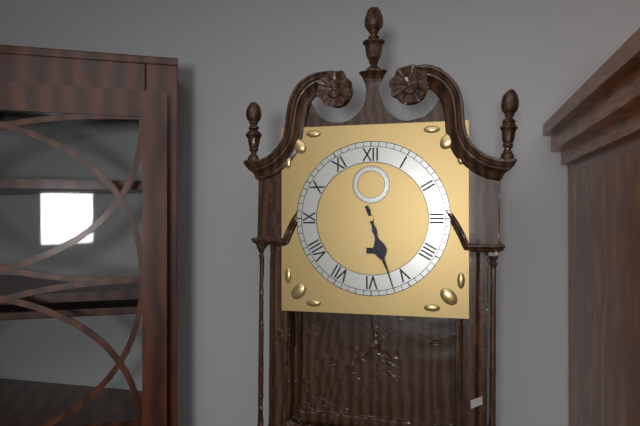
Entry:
h=5 m=27
